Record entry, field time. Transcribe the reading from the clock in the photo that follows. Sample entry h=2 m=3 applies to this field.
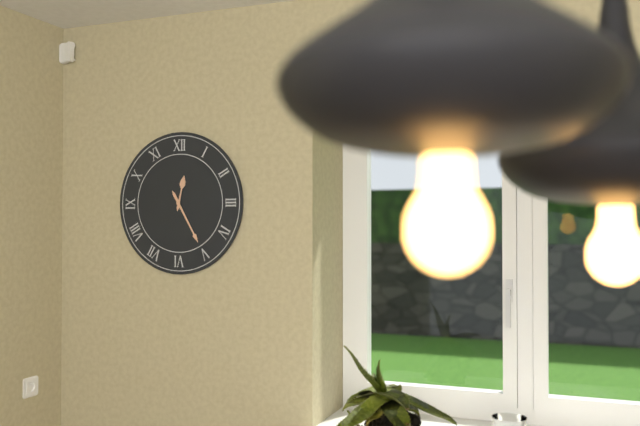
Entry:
h=12 m=25
